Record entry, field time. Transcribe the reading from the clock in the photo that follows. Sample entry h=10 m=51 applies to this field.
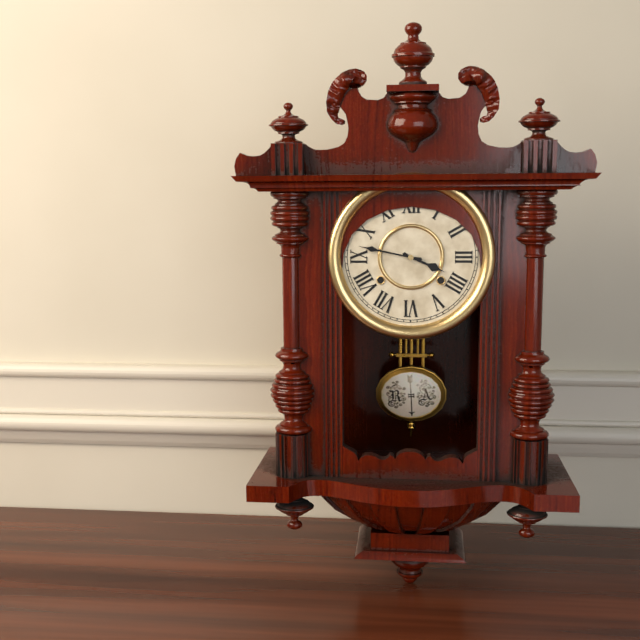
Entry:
h=3 m=47
